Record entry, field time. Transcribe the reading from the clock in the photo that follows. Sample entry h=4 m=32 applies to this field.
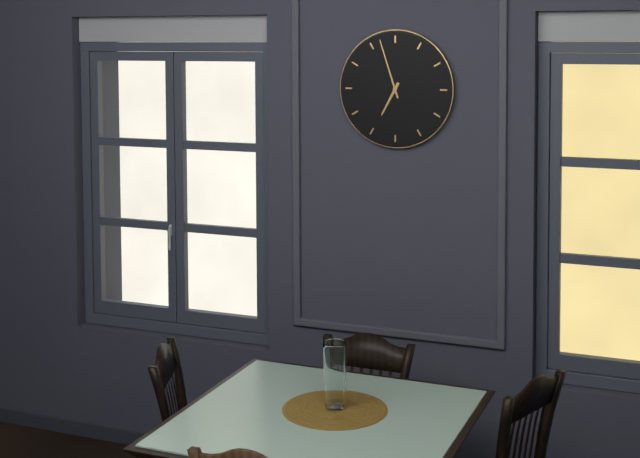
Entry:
h=6 m=57
